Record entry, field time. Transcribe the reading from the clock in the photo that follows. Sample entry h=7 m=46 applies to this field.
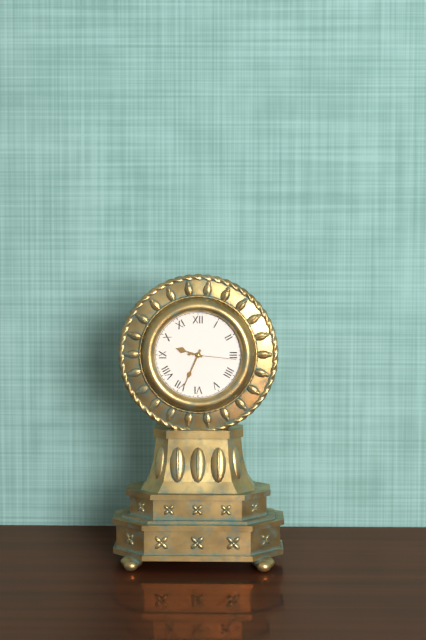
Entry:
h=9 m=34
